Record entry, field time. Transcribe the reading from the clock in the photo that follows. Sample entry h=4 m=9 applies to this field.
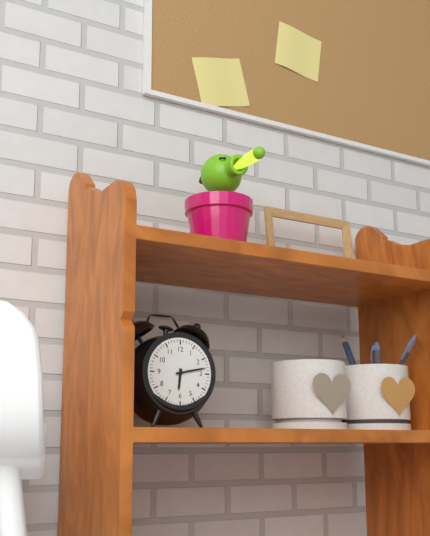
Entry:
h=6 m=13
